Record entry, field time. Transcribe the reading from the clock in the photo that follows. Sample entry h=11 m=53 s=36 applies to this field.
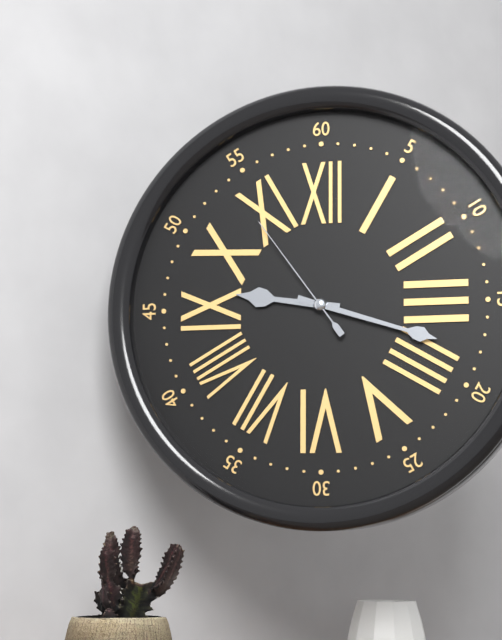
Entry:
h=9 m=18 s=54
